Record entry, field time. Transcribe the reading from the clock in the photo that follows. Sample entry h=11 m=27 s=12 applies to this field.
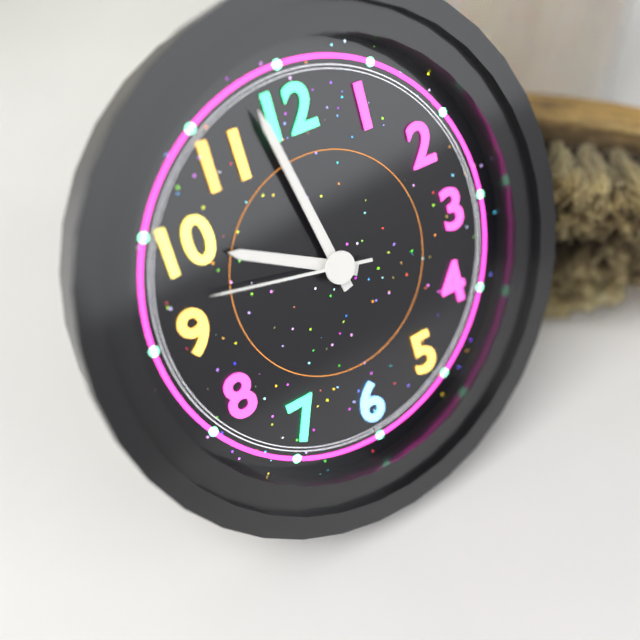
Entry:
h=9 m=58 s=47
